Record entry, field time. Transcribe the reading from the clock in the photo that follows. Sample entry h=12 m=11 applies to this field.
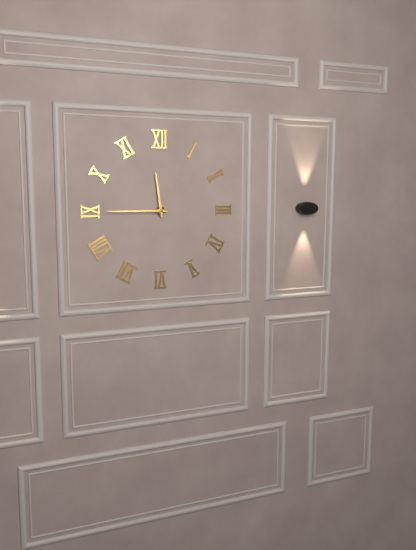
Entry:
h=11 m=45
